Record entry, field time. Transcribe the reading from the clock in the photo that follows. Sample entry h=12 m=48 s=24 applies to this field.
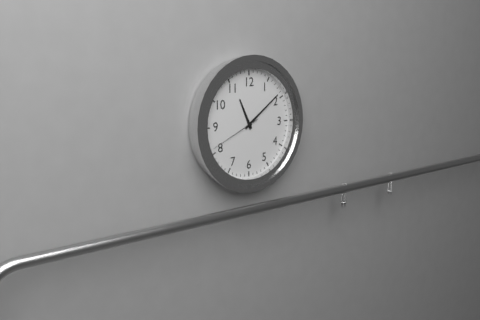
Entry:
h=11 m=9 s=41
